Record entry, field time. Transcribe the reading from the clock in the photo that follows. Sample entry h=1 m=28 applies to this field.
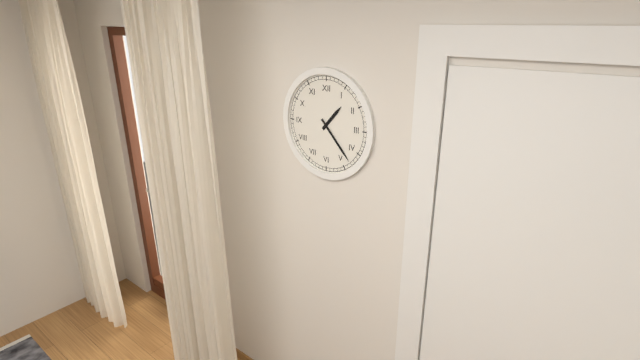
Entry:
h=1 m=23
